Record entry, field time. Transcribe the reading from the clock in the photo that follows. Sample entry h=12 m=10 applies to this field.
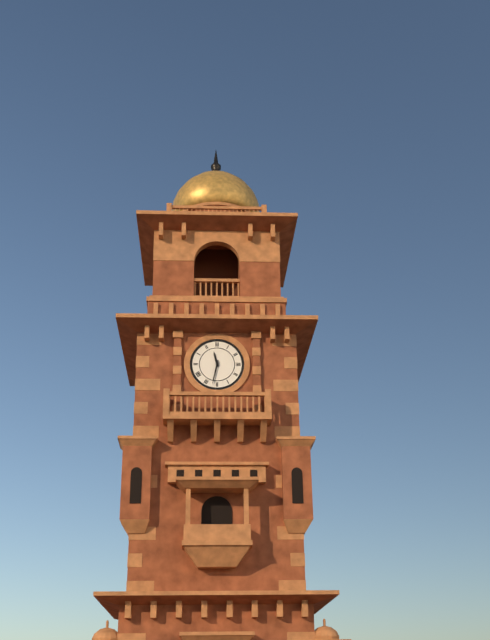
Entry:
h=11 m=32
